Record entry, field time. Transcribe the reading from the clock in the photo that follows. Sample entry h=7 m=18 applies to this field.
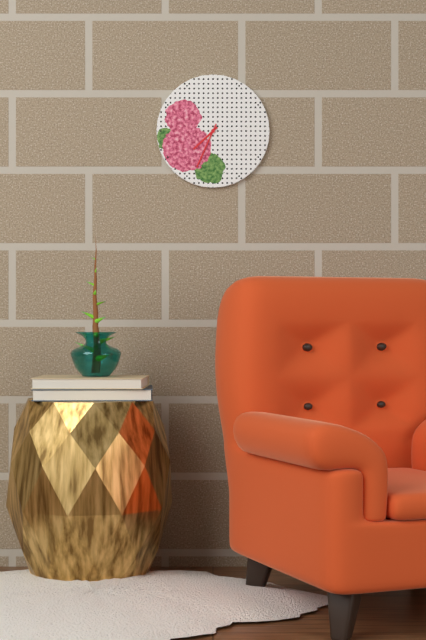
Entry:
h=7 m=34
